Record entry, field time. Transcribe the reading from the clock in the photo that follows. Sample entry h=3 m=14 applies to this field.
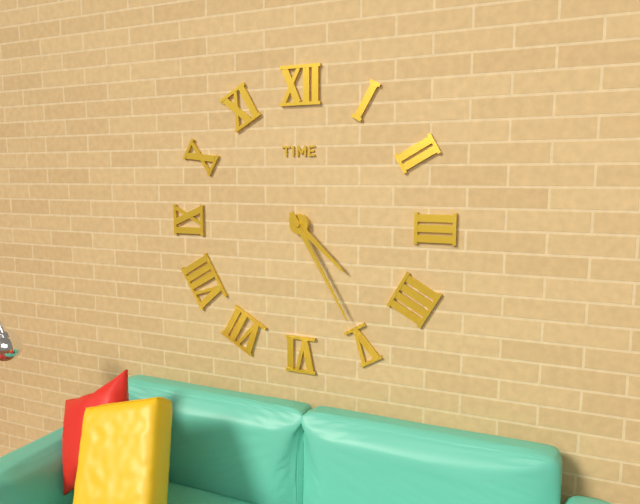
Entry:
h=4 m=25
